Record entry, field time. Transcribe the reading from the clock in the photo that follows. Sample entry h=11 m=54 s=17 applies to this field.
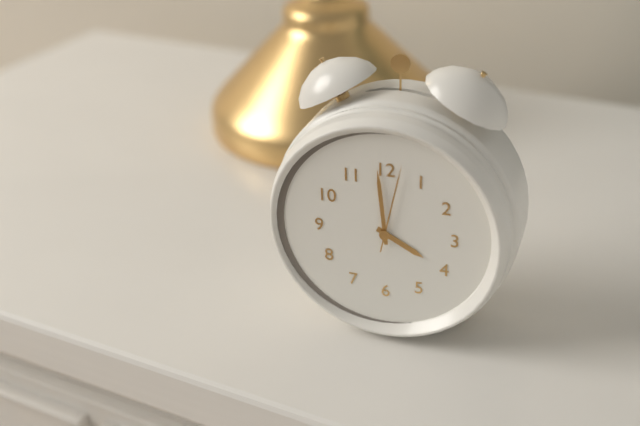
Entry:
h=3 m=59 s=2
